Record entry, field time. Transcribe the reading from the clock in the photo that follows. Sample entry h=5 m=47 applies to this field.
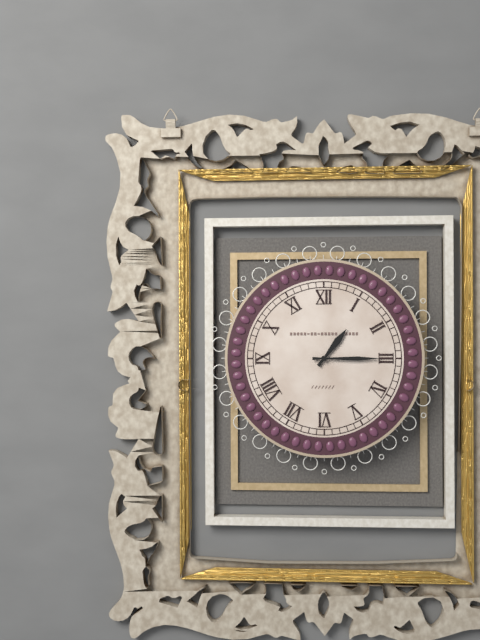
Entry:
h=1 m=15
